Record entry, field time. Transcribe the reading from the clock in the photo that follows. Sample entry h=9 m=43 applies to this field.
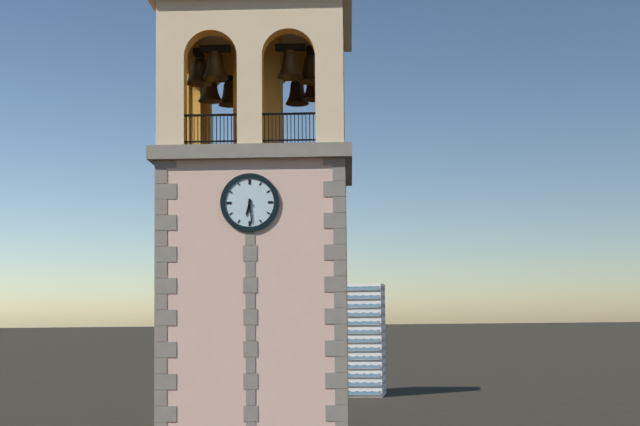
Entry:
h=6 m=29
